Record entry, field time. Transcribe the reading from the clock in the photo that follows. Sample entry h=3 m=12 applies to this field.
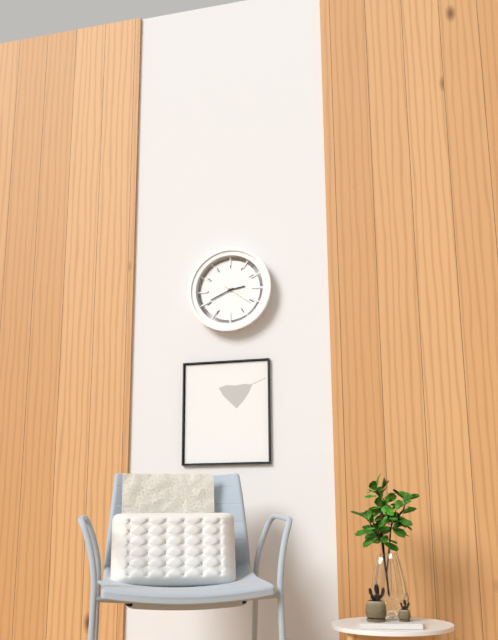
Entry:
h=2 m=41
